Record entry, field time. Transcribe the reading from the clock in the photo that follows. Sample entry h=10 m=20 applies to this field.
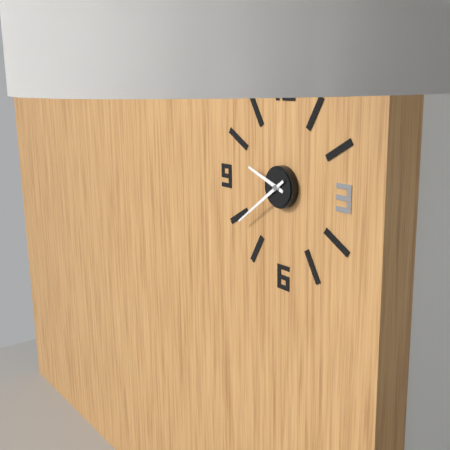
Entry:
h=9 m=39
